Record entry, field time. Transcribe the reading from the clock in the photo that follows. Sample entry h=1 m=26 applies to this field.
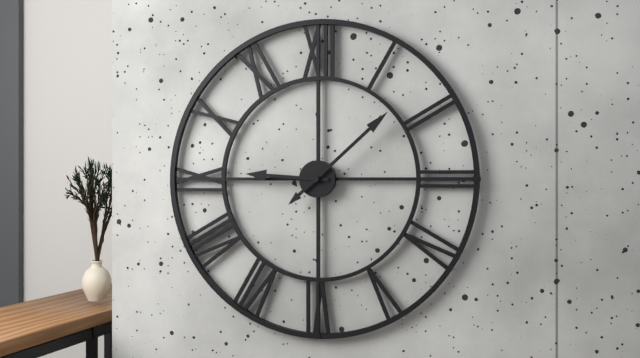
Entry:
h=9 m=8
